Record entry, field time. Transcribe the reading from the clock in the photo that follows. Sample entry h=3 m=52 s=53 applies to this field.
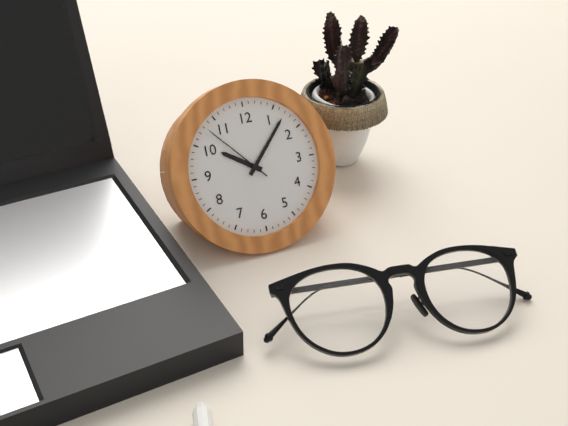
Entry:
h=10 m=7 s=53
